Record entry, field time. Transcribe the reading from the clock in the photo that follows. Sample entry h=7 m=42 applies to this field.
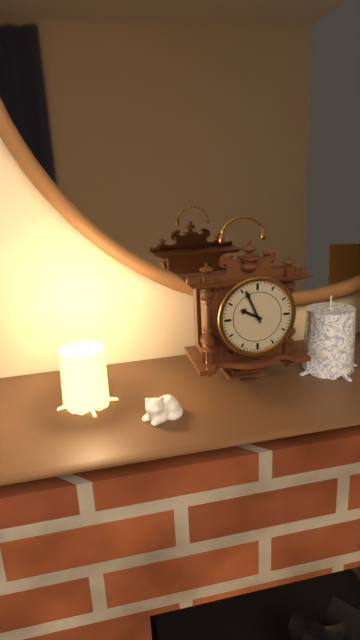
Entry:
h=9 m=56
